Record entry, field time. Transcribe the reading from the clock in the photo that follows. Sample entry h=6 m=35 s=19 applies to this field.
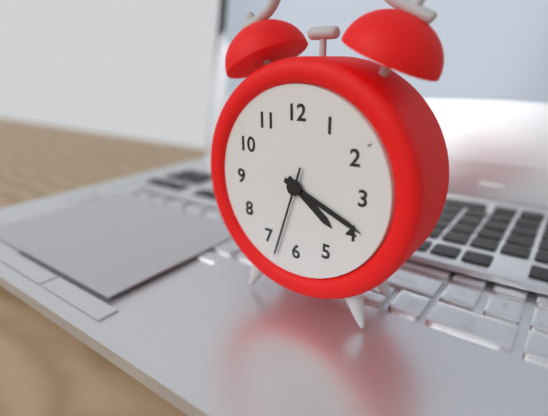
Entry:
h=4 m=19 s=33
